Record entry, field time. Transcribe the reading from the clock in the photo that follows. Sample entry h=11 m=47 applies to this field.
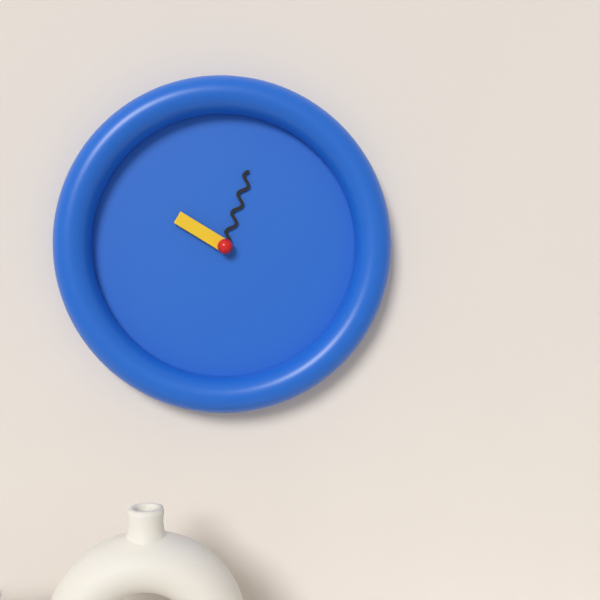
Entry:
h=10 m=3
